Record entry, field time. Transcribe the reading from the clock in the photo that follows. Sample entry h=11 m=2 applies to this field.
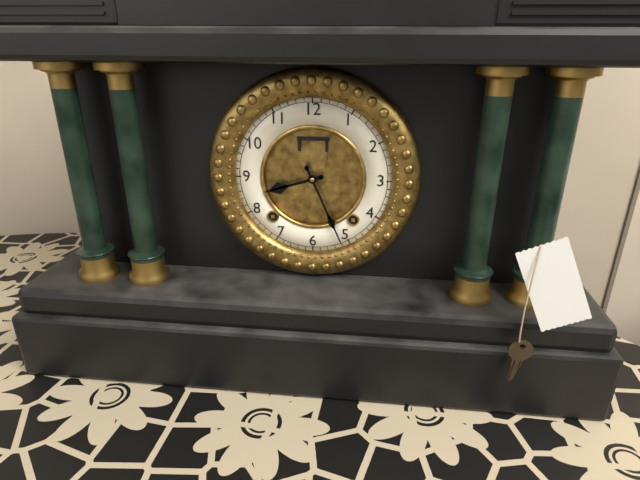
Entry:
h=8 m=26
